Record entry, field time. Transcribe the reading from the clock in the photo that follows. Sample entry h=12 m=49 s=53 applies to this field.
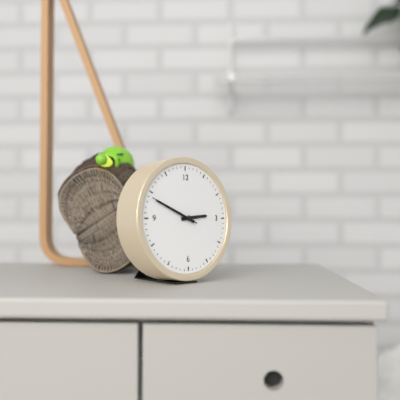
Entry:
h=2 m=49 s=49
